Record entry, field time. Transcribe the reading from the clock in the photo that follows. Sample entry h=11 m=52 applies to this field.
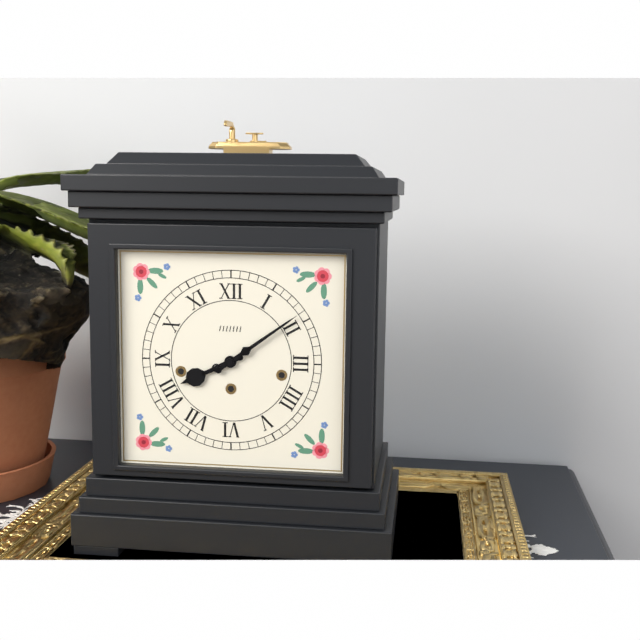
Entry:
h=8 m=9
